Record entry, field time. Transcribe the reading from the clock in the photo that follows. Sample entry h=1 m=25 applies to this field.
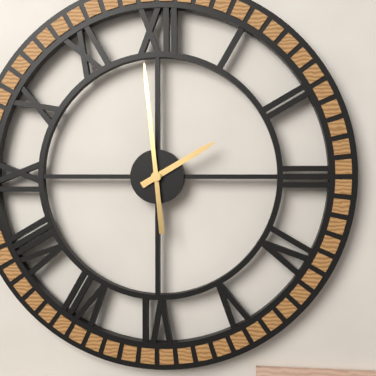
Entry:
h=1 m=59
